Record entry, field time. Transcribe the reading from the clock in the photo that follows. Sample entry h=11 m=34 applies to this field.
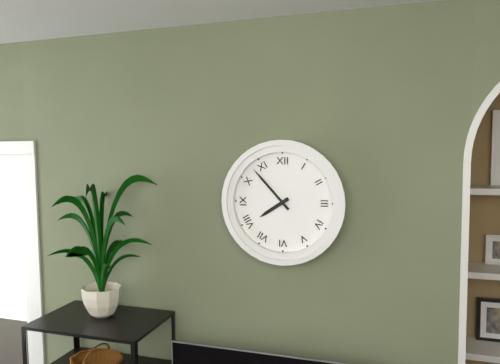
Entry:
h=7 m=53
